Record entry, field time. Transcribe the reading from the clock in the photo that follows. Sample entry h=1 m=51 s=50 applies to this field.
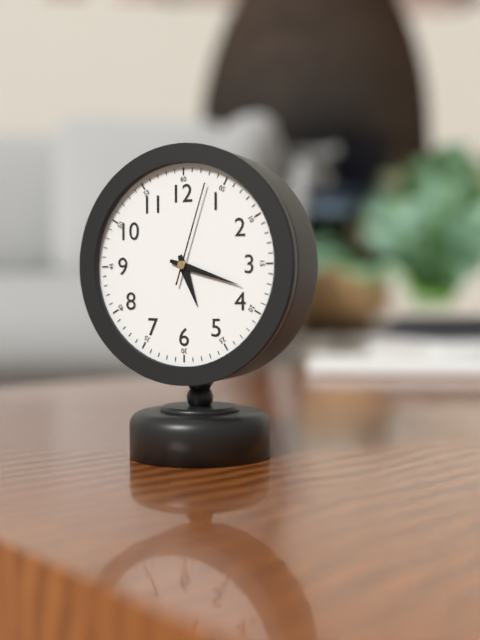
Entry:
h=5 m=18 s=3
